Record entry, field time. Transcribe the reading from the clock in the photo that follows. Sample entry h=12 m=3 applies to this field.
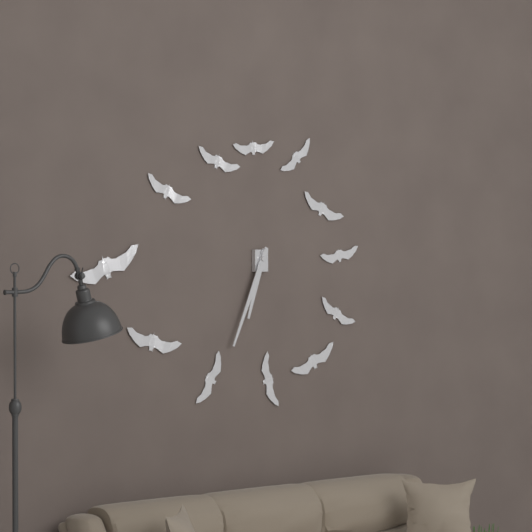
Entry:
h=6 m=34
